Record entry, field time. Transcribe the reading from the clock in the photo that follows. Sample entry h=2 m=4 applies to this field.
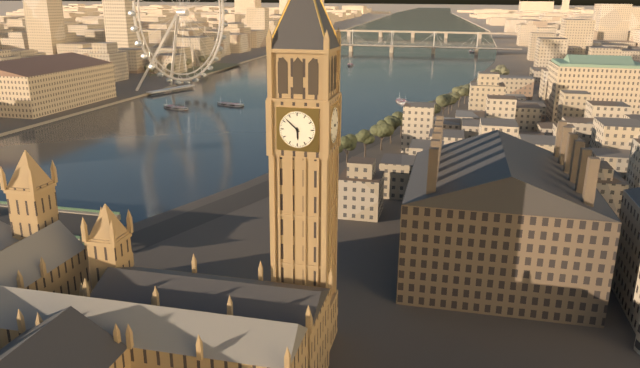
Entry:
h=5 m=52
